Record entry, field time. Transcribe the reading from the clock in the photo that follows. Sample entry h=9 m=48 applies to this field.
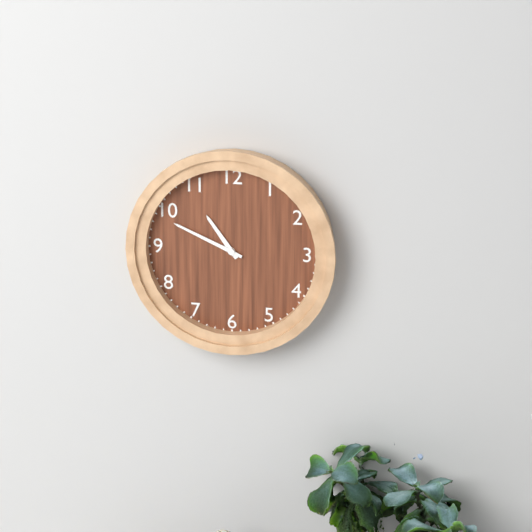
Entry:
h=10 m=49
